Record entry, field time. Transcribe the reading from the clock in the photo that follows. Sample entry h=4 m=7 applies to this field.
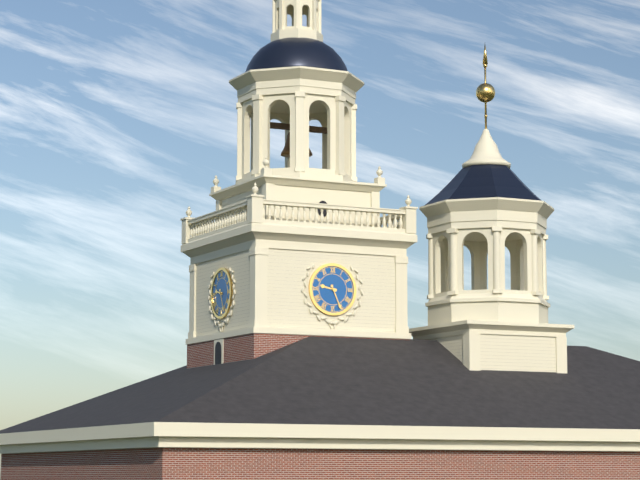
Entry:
h=9 m=26
